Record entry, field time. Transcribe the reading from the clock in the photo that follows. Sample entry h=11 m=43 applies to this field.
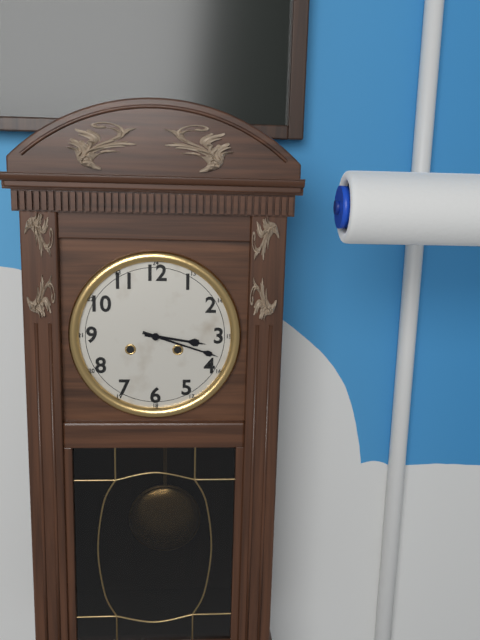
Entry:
h=3 m=18
